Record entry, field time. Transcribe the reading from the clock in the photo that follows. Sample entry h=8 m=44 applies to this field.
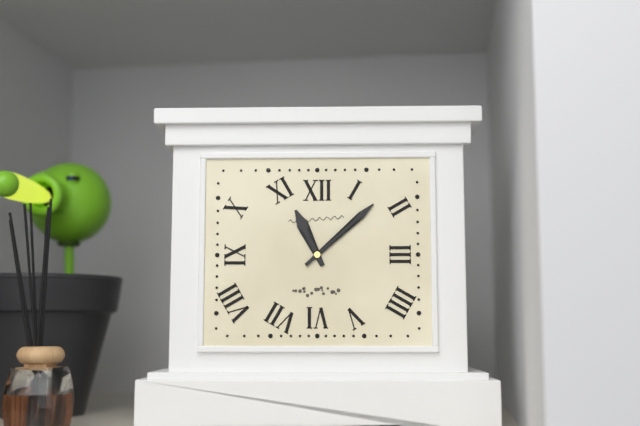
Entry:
h=11 m=8
